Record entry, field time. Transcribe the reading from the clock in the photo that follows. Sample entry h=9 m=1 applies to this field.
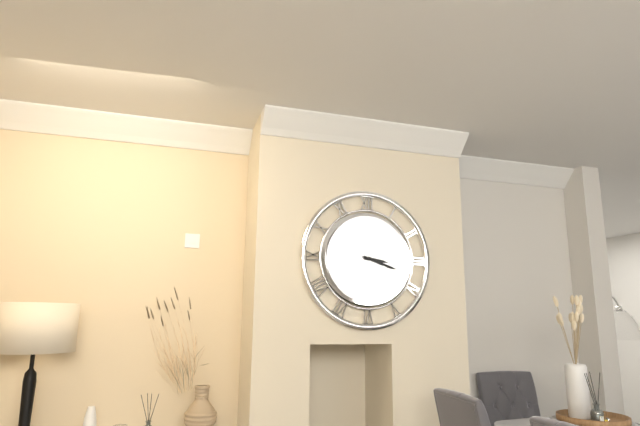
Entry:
h=3 m=18
